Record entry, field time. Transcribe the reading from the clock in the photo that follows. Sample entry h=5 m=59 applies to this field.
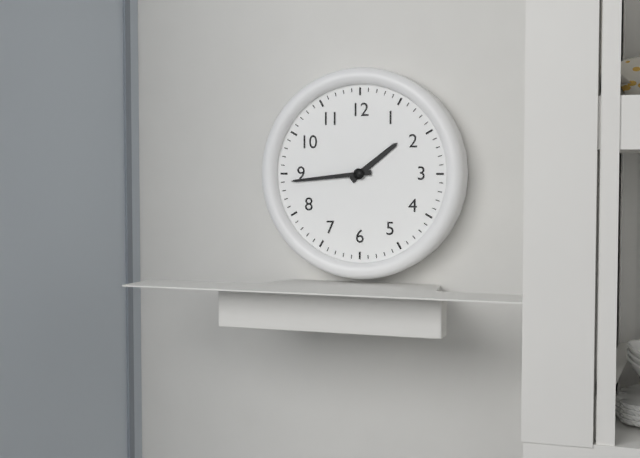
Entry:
h=1 m=44
